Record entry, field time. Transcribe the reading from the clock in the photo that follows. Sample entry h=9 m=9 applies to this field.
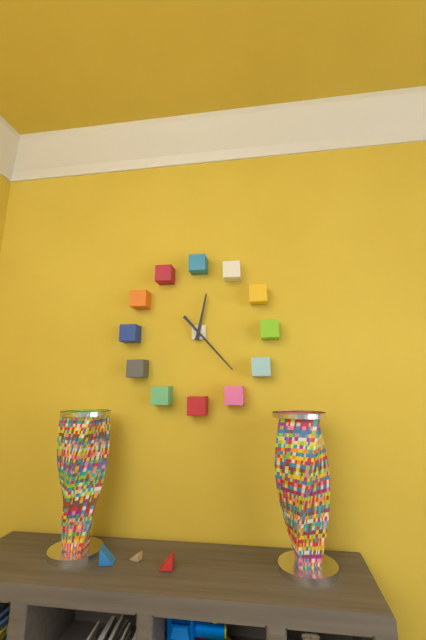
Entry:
h=12 m=23
